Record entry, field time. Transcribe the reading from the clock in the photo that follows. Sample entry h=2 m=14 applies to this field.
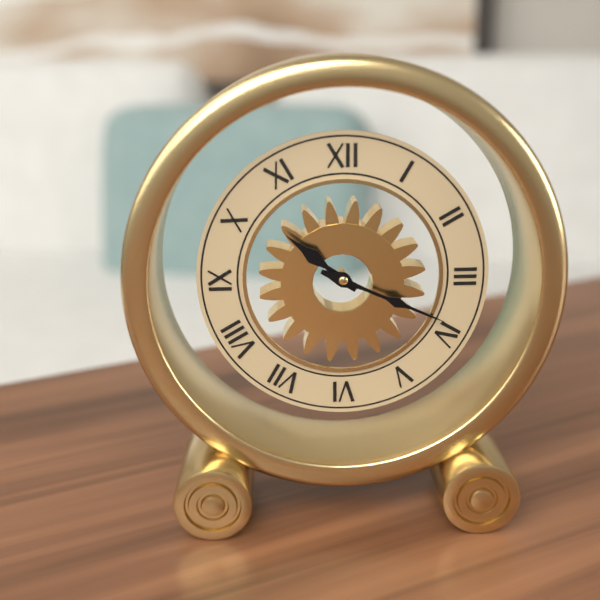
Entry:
h=10 m=19
